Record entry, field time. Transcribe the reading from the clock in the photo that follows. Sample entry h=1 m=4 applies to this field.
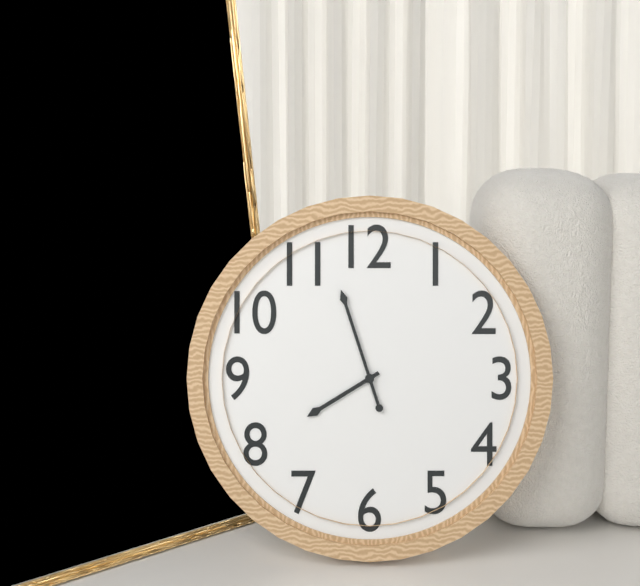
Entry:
h=7 m=57
